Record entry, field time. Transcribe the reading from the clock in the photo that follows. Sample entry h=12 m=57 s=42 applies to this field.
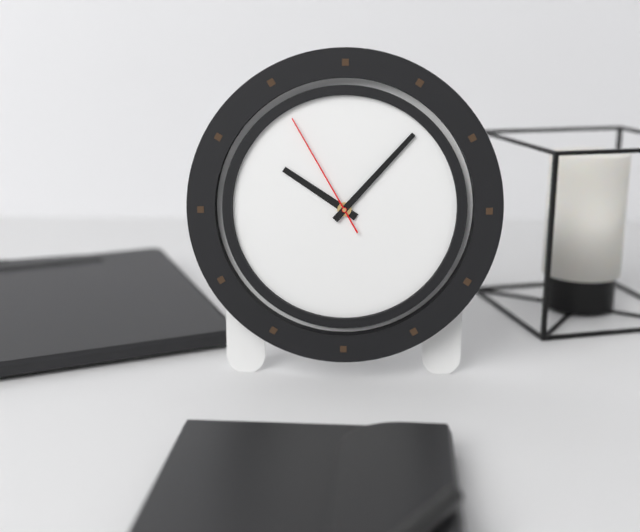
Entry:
h=10 m=7 s=55
